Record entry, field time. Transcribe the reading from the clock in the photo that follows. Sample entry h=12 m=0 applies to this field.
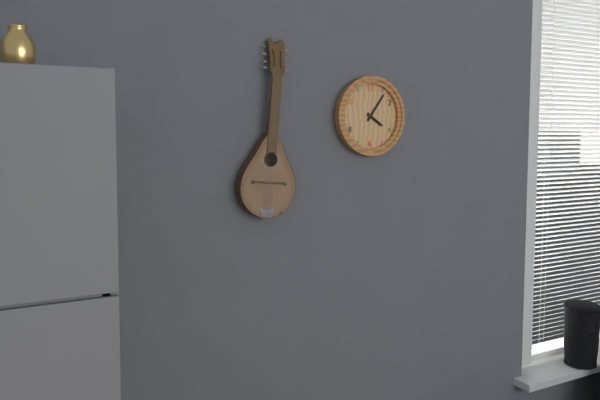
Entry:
h=4 m=6
